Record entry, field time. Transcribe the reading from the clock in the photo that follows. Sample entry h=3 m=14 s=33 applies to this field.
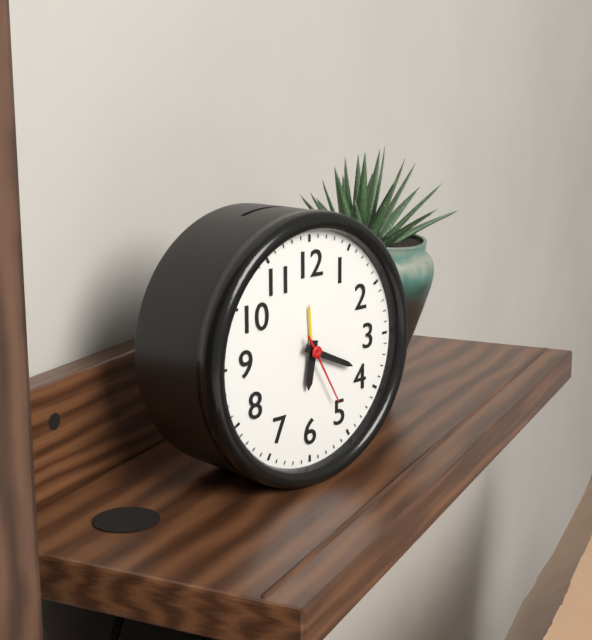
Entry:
h=6 m=19 s=25
